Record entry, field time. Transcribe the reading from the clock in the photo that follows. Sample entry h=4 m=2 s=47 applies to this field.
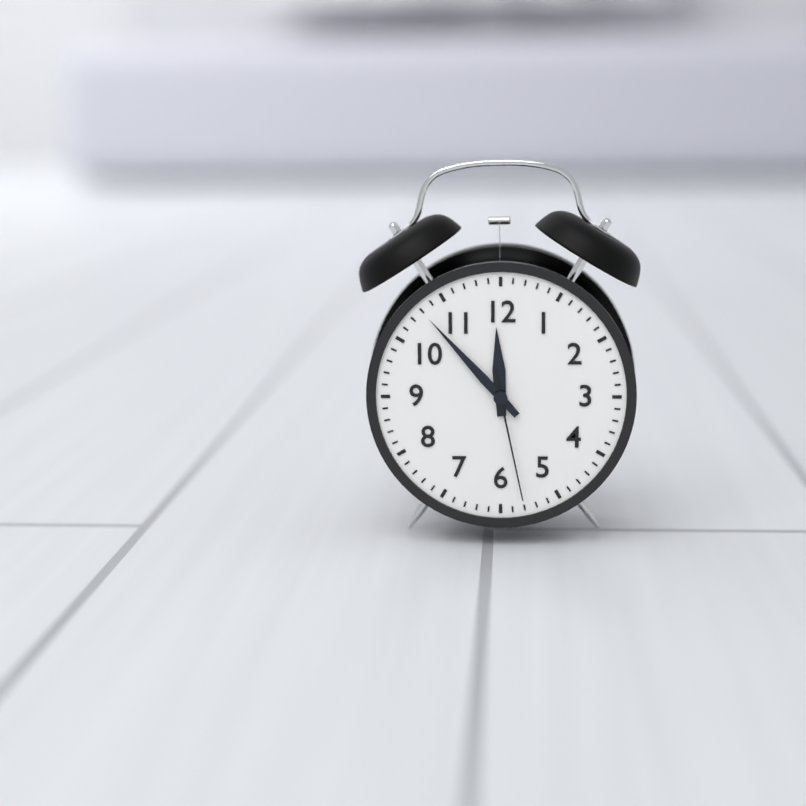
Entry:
h=11 m=53 s=28
